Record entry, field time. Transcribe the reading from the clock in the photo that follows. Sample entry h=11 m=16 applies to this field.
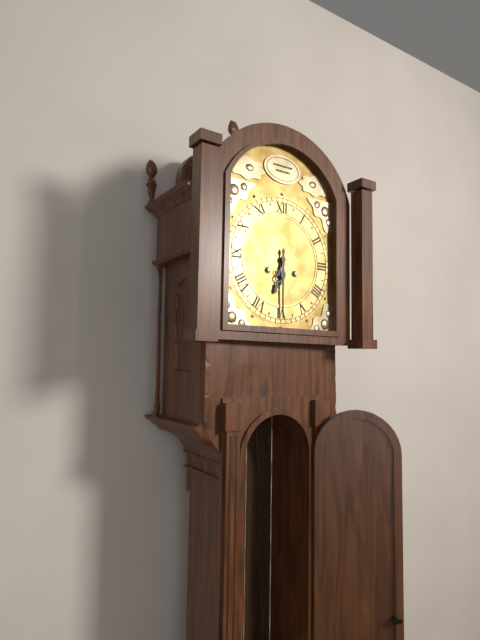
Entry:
h=6 m=30
